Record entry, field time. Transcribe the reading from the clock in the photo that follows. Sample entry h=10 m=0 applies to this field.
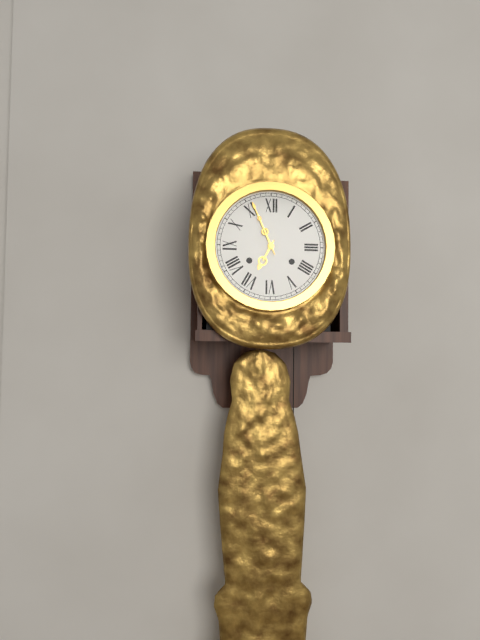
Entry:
h=6 m=56
